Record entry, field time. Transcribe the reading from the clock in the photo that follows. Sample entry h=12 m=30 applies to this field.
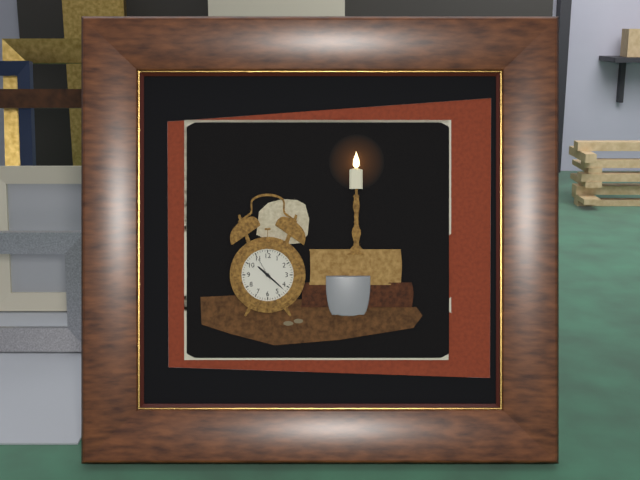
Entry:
h=10 m=22
